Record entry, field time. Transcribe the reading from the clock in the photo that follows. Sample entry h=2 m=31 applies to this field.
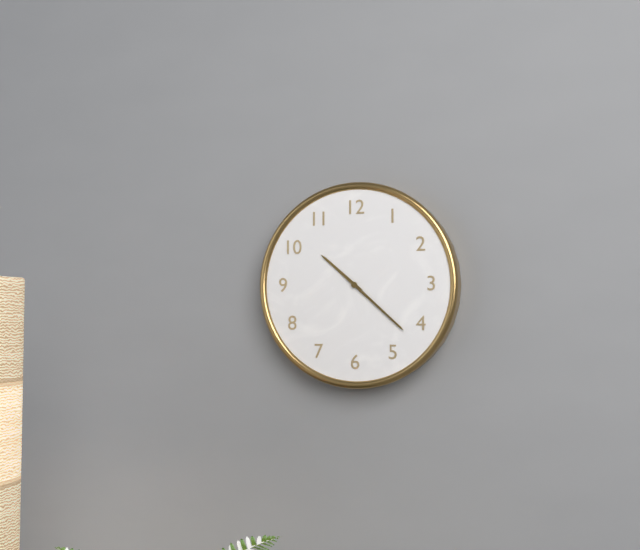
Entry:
h=10 m=22
